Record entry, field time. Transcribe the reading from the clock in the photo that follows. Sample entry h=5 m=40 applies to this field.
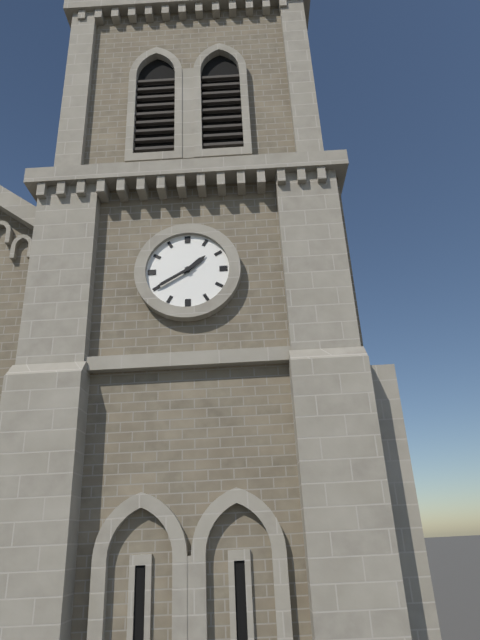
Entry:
h=1 m=40
